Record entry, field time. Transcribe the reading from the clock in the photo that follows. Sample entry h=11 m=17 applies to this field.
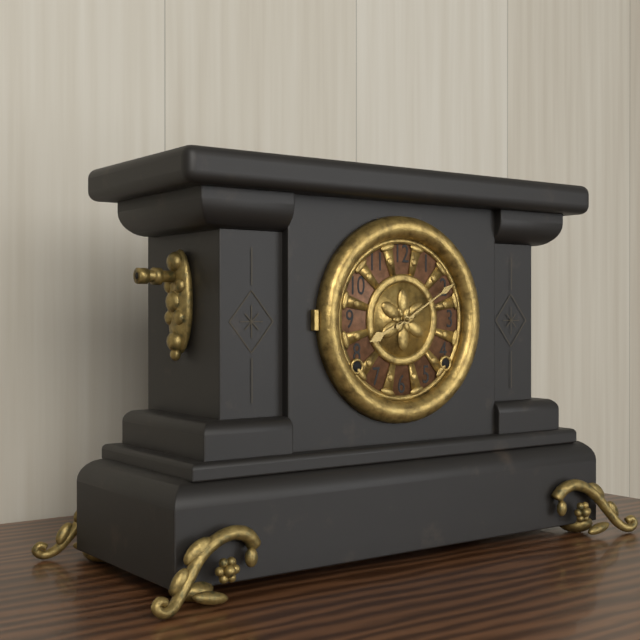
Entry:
h=8 m=10
